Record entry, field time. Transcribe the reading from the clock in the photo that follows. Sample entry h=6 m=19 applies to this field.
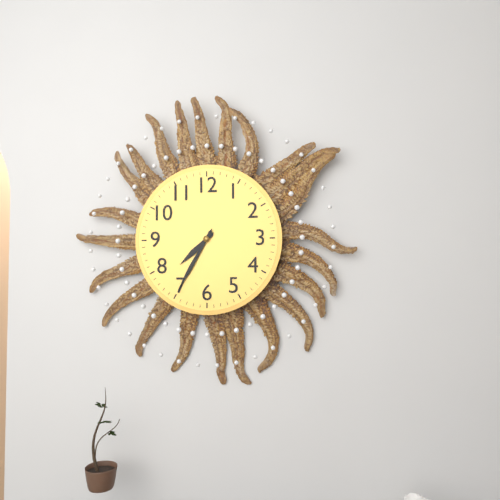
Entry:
h=7 m=35
